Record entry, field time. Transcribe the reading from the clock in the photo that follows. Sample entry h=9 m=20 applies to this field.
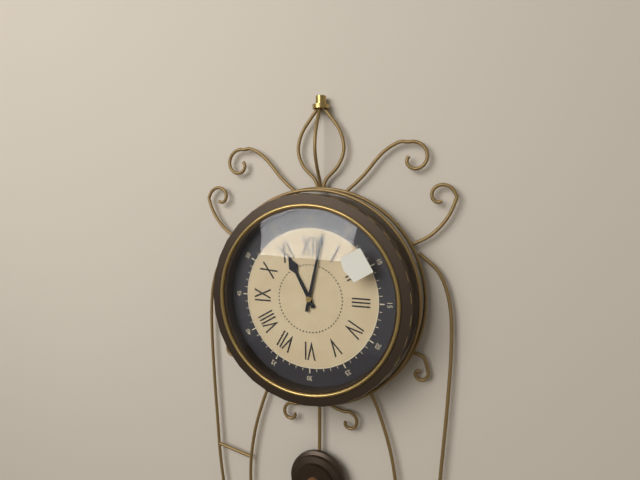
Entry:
h=11 m=2
